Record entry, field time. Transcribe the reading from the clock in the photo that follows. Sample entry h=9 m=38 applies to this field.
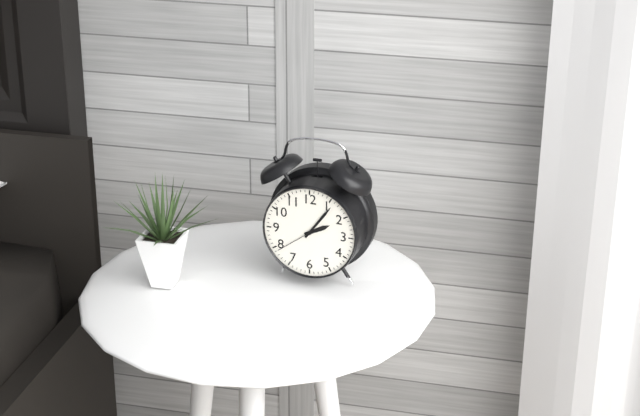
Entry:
h=2 m=6
